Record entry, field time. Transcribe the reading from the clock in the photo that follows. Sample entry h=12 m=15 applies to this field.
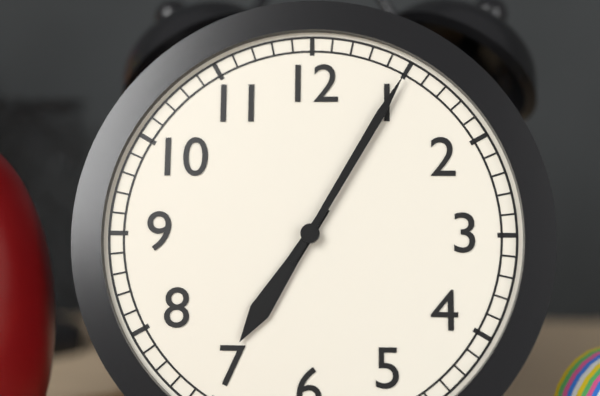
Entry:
h=7 m=5
